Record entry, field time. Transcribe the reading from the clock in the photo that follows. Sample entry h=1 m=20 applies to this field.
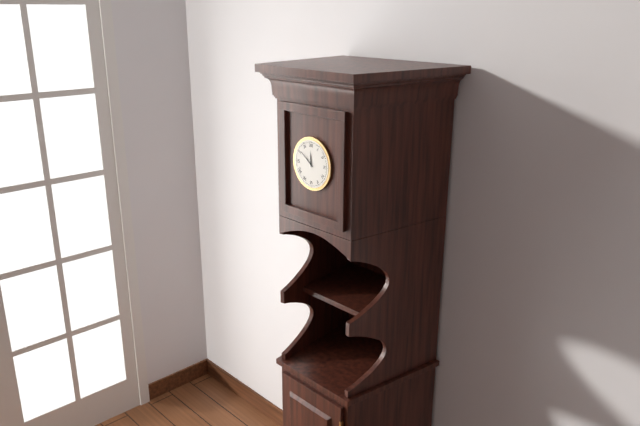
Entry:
h=11 m=51
